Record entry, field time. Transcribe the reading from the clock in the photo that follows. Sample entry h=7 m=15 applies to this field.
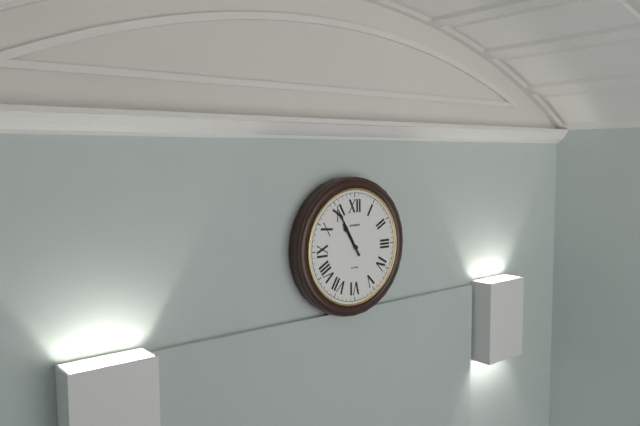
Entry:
h=10 m=55
